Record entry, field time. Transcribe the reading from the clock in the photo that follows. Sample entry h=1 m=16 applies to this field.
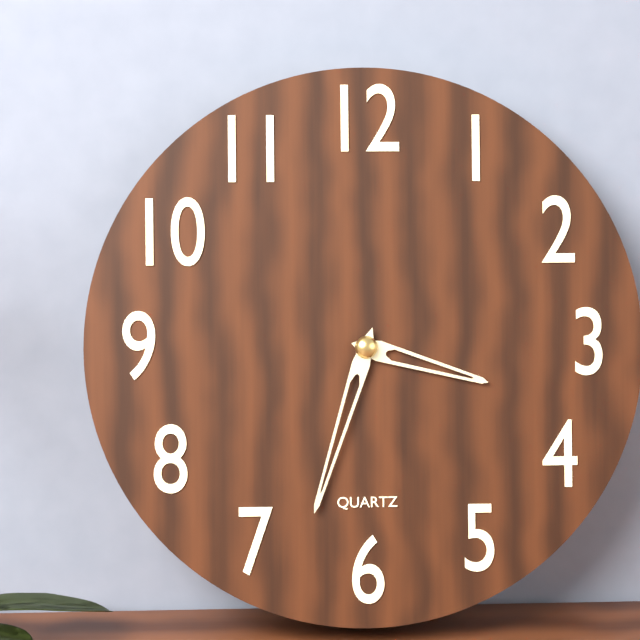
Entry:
h=3 m=33
